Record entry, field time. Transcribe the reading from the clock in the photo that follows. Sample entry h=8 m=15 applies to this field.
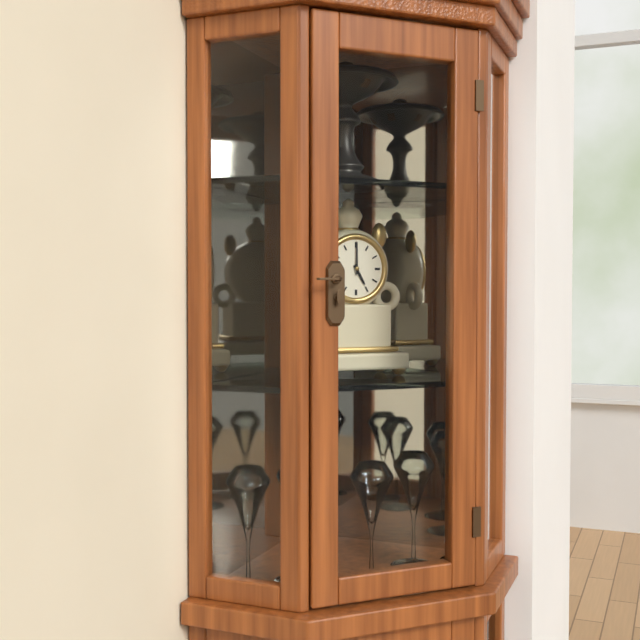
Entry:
h=5 m=0
